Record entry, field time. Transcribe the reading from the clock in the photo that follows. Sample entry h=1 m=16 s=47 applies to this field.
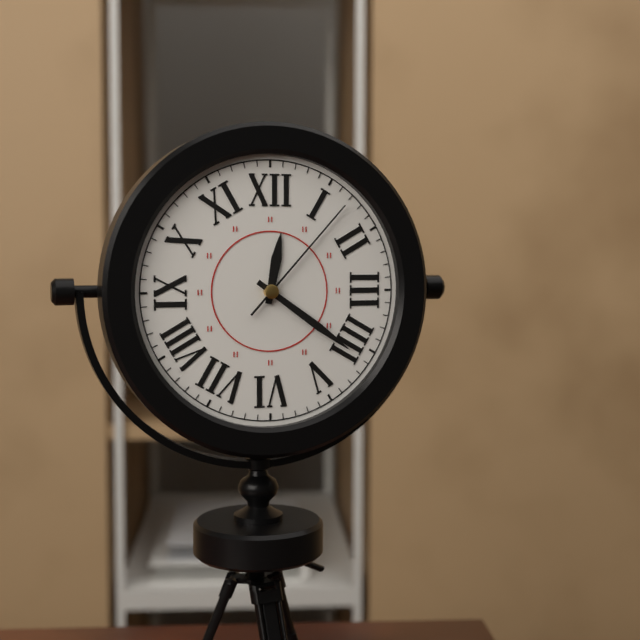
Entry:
h=12 m=21 s=7
